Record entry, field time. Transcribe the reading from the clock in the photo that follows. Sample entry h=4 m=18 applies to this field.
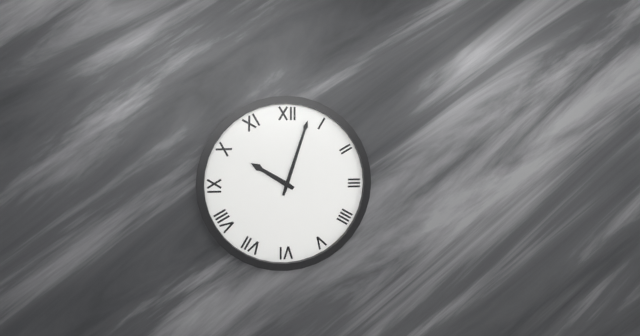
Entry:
h=10 m=3
